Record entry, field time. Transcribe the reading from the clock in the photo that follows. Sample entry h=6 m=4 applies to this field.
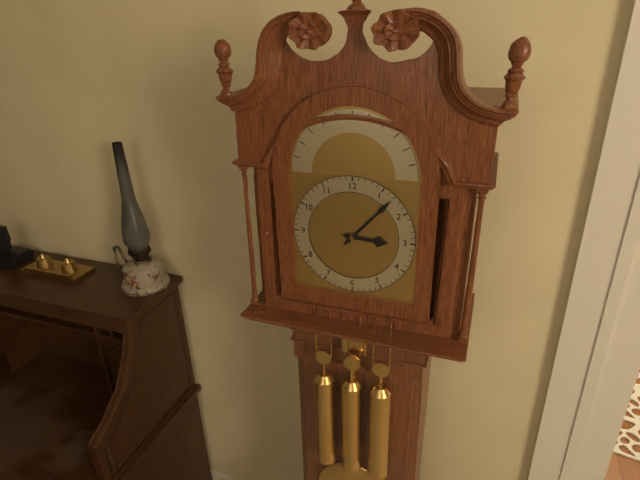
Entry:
h=3 m=7
